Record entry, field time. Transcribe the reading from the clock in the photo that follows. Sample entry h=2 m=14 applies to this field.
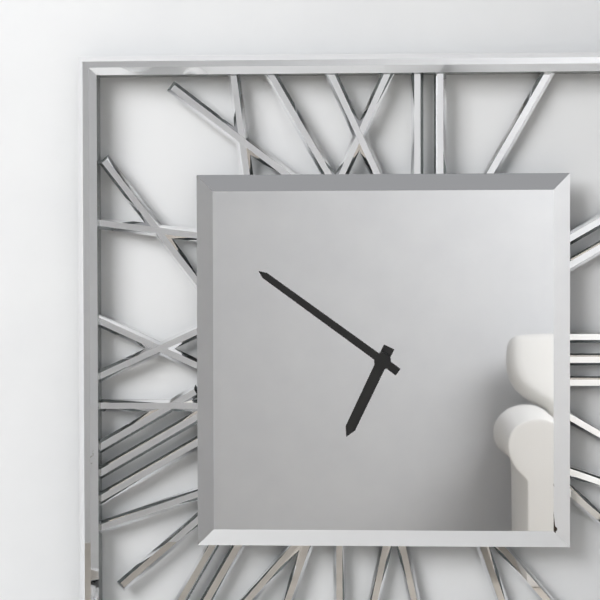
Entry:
h=6 m=51
